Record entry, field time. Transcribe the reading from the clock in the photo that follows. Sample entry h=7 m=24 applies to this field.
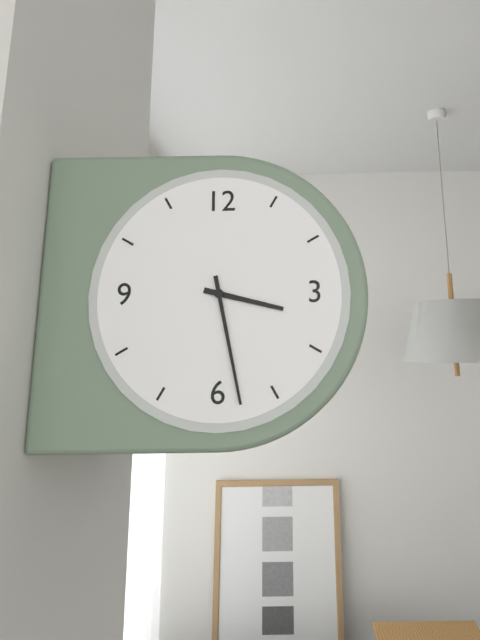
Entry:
h=3 m=28
